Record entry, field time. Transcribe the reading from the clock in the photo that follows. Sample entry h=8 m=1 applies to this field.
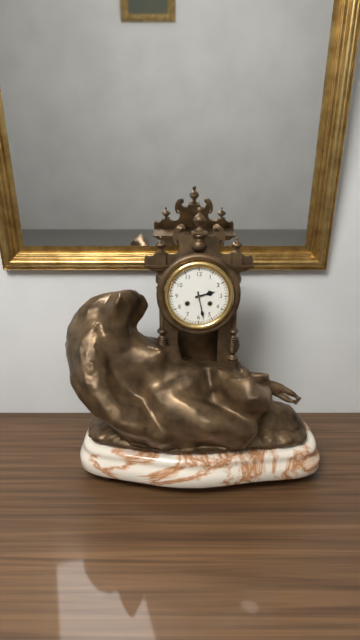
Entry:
h=2 m=28
